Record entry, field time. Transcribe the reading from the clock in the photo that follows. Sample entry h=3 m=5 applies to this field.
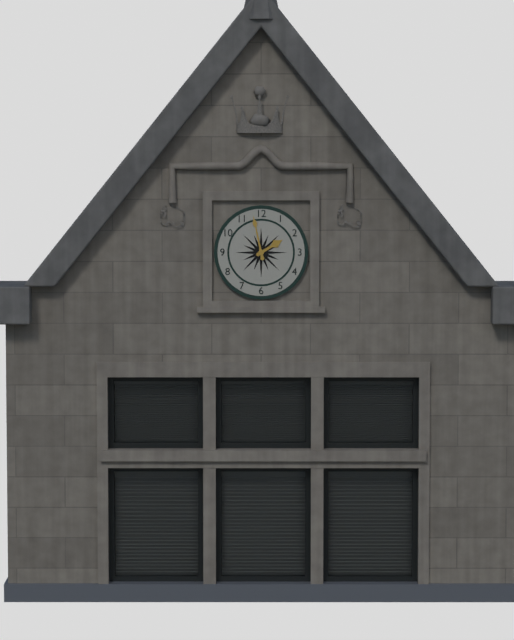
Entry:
h=1 m=58
